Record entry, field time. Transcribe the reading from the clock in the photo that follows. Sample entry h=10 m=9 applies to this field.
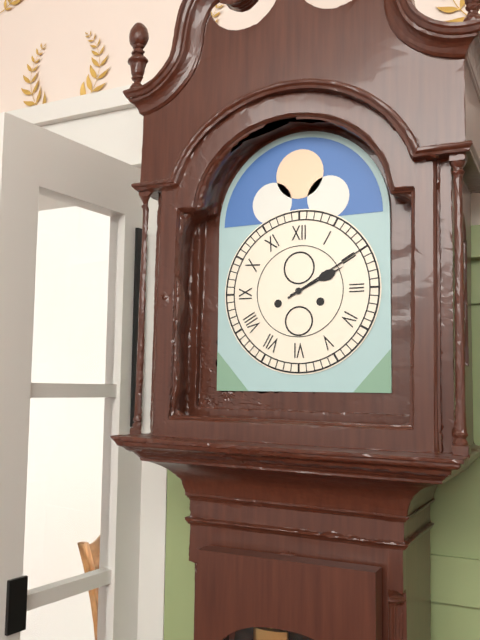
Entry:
h=2 m=10
